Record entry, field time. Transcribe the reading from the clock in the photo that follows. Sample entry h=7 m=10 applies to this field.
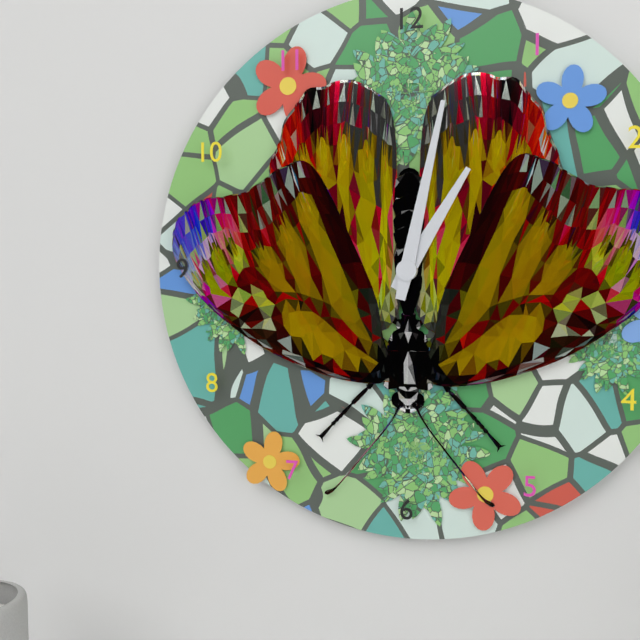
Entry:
h=1 m=2
